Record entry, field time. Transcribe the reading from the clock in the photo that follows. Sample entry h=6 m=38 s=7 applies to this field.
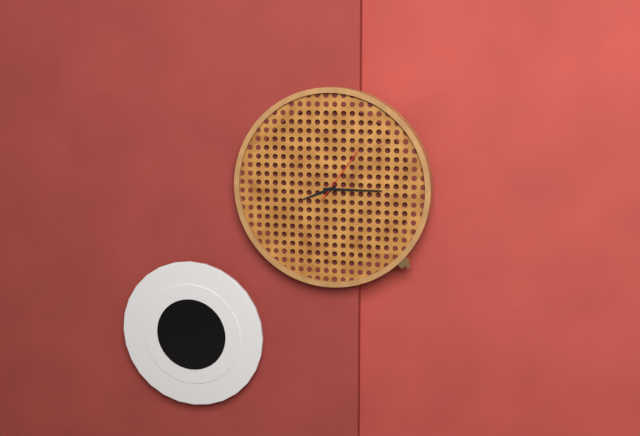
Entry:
h=8 m=15 s=6
